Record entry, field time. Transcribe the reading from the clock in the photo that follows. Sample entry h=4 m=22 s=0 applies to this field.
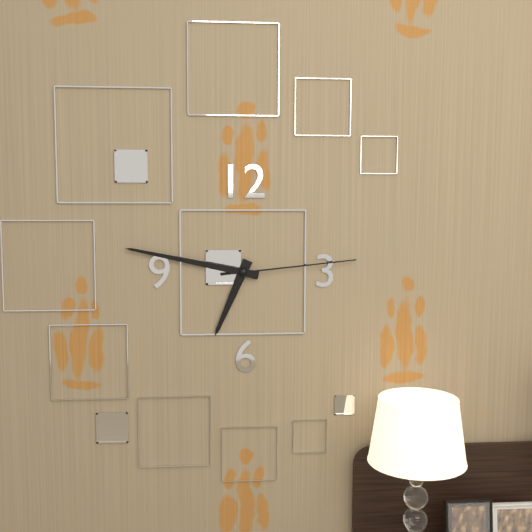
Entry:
h=6 m=47 s=14
